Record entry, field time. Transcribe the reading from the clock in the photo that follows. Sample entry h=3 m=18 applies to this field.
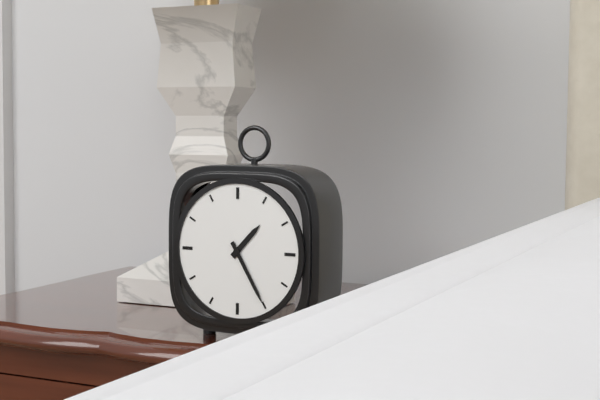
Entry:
h=1 m=25
